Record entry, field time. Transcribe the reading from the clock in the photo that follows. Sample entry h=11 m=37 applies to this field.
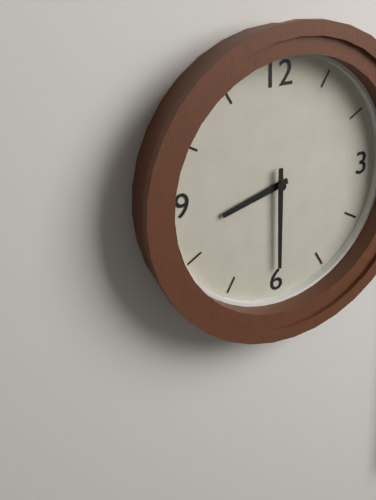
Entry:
h=8 m=30
